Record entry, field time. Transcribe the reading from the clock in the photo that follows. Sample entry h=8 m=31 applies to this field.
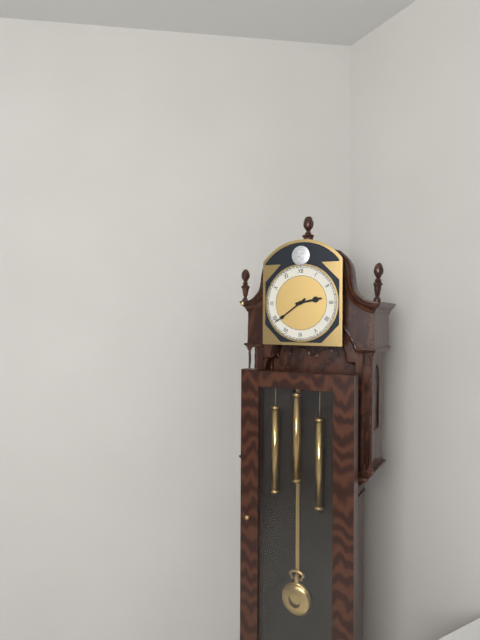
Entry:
h=2 m=39
